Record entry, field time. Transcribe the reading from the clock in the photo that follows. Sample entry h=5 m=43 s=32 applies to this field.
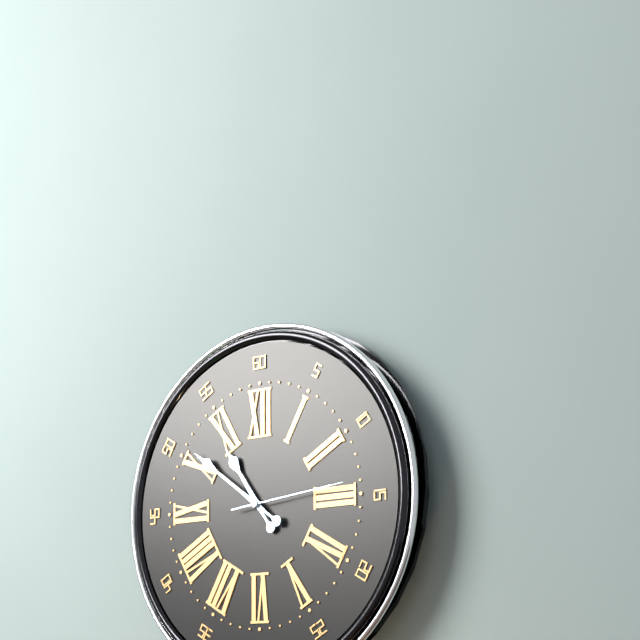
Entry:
h=10 m=51 s=14
